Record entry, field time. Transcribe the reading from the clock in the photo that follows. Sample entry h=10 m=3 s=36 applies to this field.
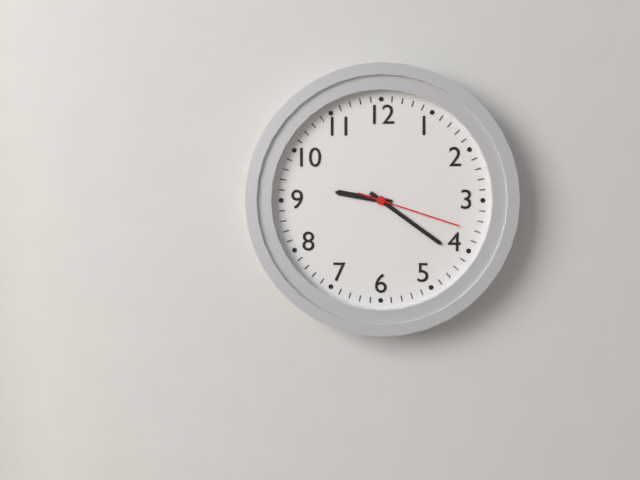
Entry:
h=9 m=21 s=18
